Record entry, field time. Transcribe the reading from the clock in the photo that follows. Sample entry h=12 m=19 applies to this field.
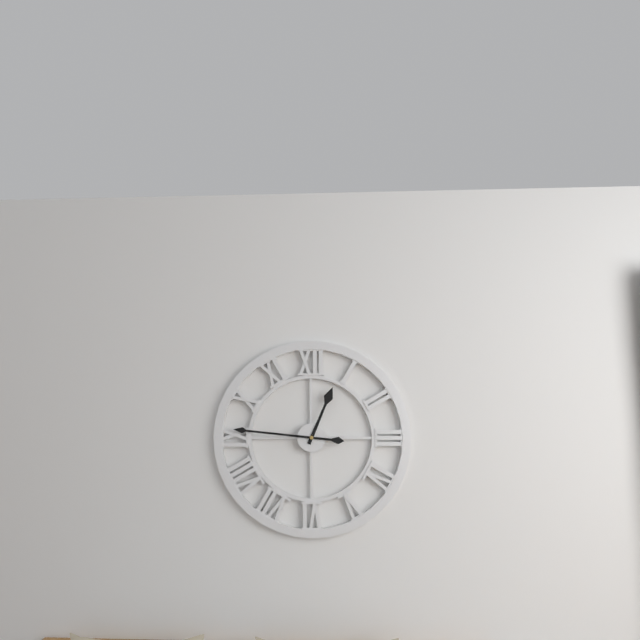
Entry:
h=12 m=46
